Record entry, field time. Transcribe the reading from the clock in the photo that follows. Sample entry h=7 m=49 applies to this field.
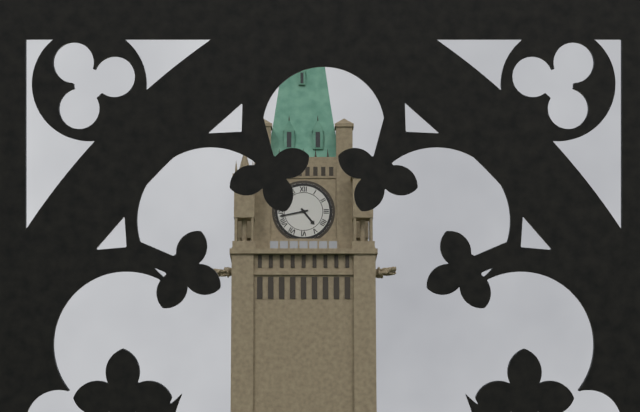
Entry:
h=4 m=43
